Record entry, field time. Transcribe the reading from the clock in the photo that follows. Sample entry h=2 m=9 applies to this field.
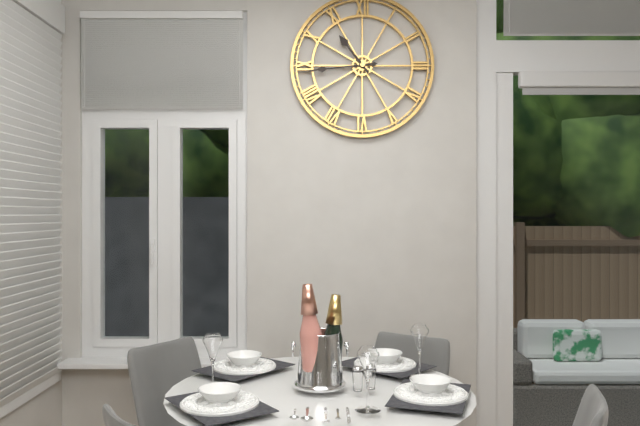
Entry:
h=10 m=44
